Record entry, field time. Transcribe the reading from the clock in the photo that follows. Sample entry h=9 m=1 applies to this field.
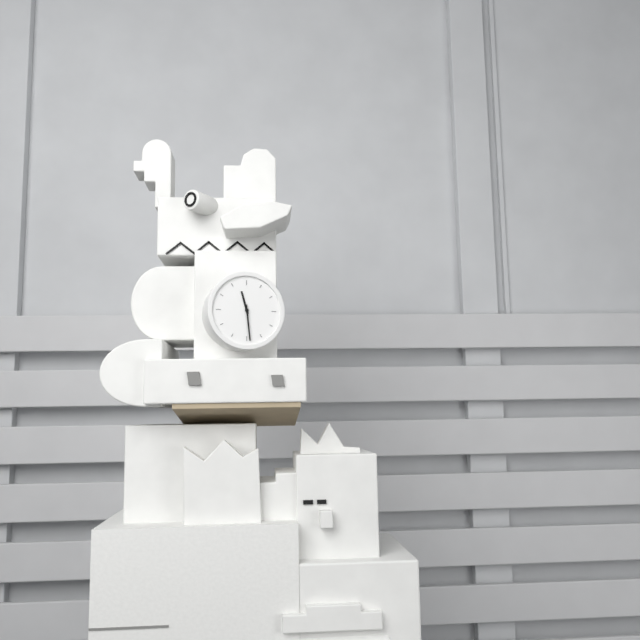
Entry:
h=11 m=29
